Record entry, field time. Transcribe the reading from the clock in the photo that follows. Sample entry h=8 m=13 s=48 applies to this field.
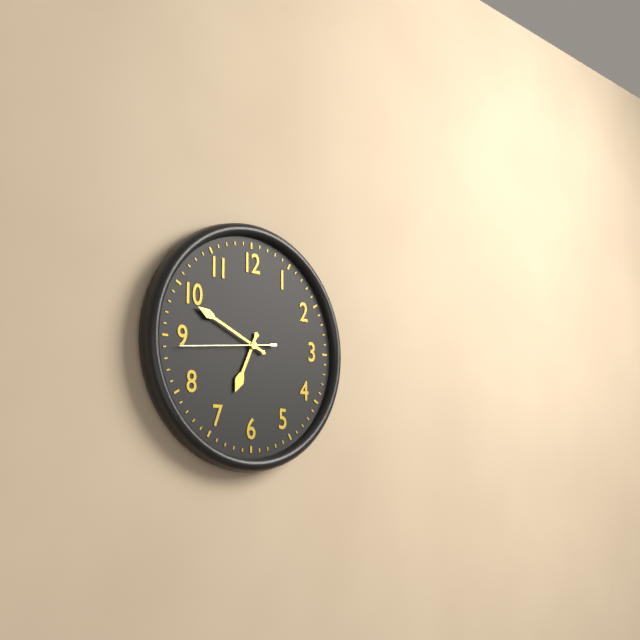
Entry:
h=6 m=49 s=44
